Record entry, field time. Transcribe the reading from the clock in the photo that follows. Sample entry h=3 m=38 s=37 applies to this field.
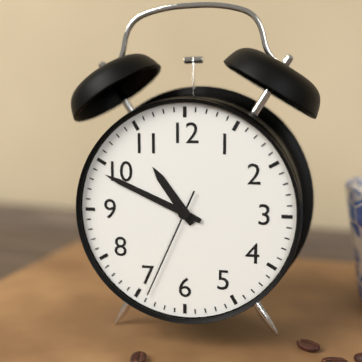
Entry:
h=10 m=49 s=34
